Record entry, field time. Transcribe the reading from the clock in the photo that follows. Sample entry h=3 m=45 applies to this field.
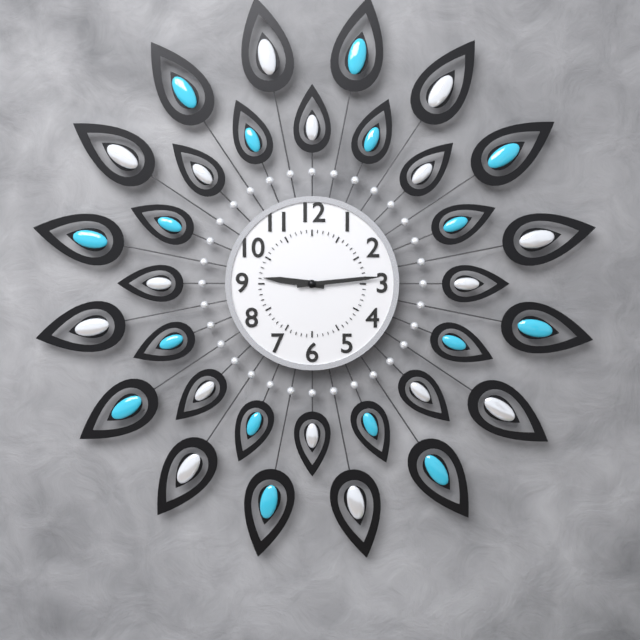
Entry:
h=9 m=14
